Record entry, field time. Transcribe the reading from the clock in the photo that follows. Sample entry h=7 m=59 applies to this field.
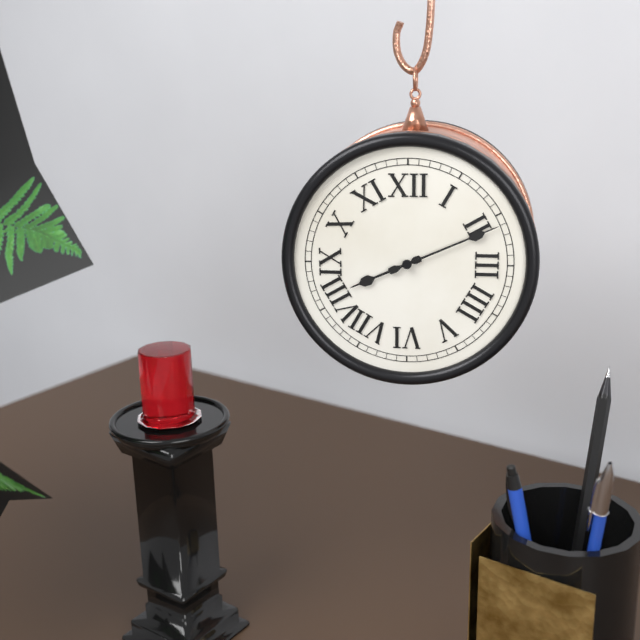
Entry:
h=8 m=11
